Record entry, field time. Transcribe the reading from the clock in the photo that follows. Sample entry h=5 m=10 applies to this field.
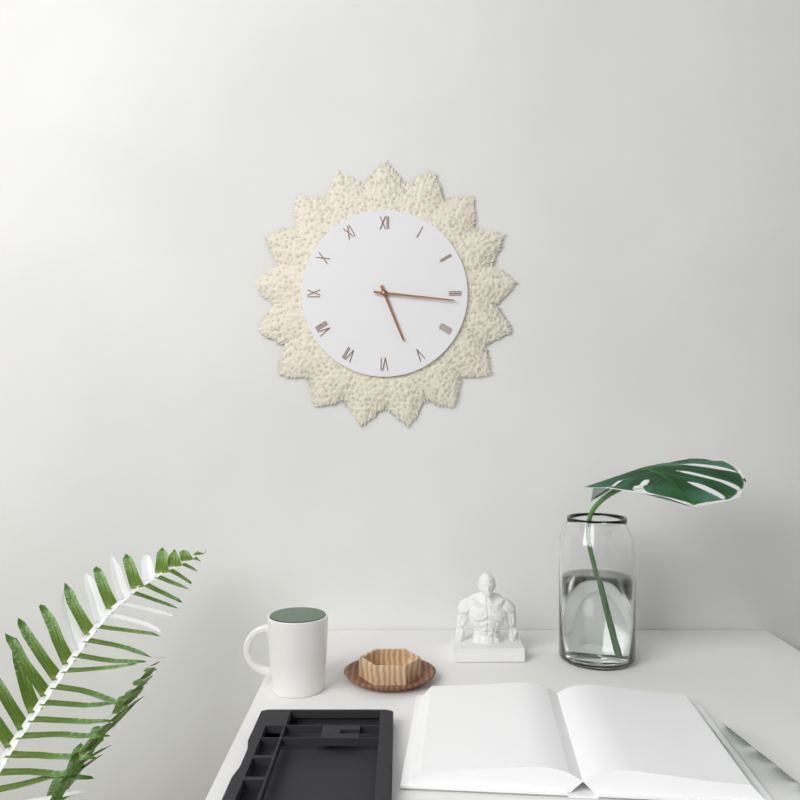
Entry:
h=5 m=16
